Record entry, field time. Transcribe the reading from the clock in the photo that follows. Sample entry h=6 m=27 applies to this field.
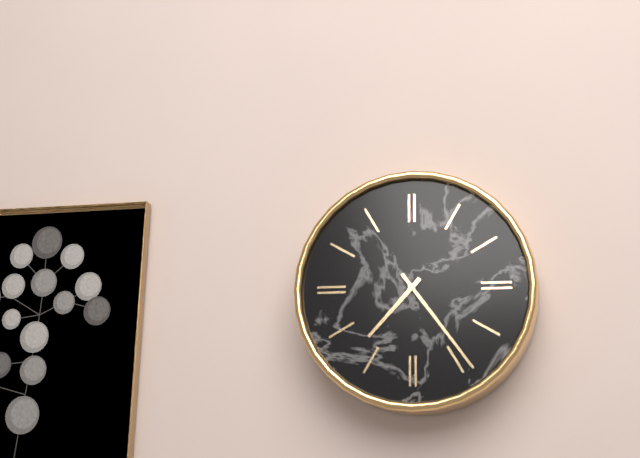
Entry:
h=7 m=24
